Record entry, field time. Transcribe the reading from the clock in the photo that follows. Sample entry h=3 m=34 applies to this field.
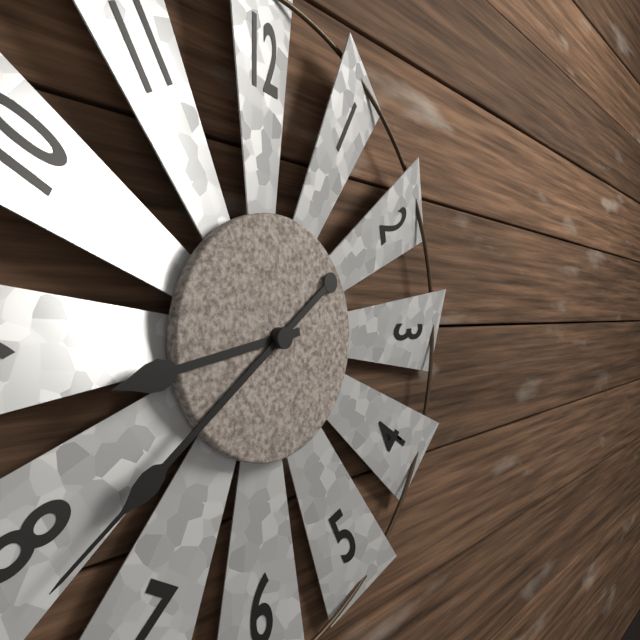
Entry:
h=8 m=39
